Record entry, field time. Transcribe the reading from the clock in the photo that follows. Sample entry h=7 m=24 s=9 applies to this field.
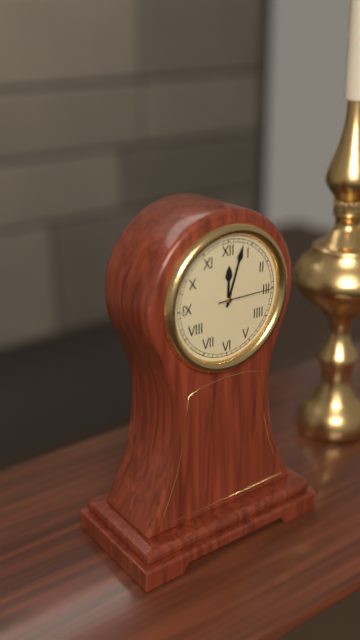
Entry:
h=12 m=3 s=15
